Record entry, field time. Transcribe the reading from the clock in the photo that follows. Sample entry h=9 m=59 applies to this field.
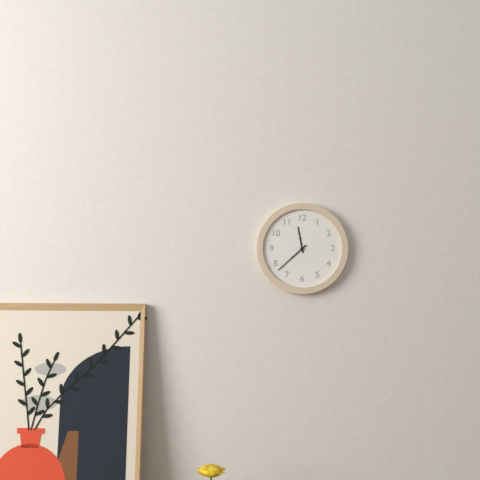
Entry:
h=11 m=38
